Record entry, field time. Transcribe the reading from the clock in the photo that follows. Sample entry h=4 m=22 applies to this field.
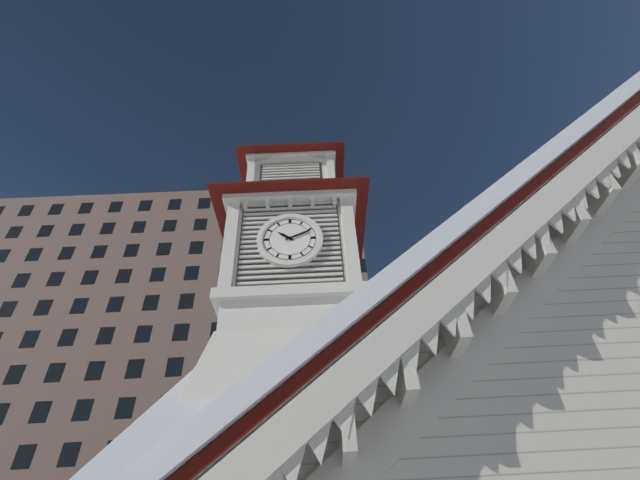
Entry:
h=10 m=11
